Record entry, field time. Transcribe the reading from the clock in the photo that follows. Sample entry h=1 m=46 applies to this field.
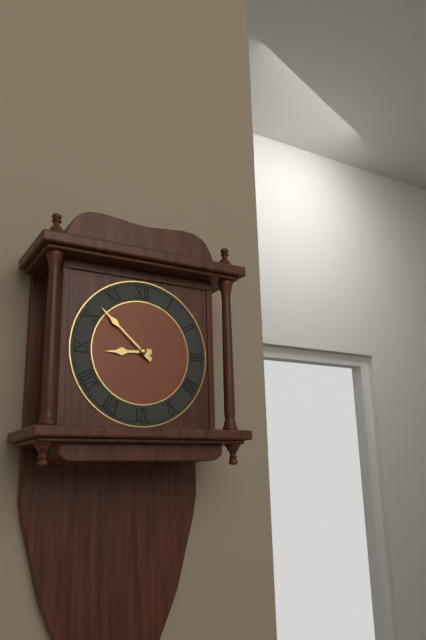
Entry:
h=8 m=52
